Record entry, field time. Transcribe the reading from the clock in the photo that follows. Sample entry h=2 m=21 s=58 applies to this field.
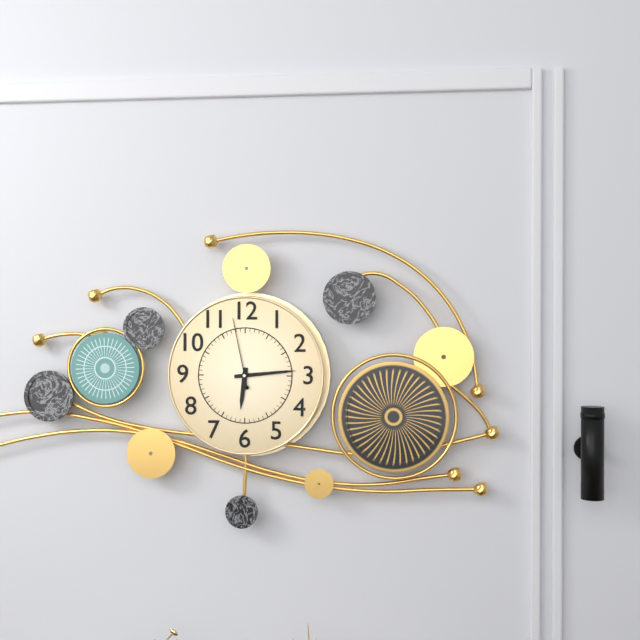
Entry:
h=6 m=14 s=58
